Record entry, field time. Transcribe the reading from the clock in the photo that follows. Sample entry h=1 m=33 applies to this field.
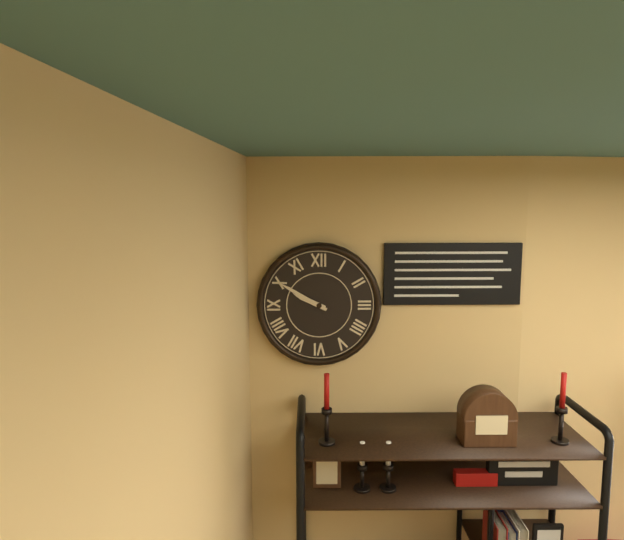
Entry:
h=9 m=50
